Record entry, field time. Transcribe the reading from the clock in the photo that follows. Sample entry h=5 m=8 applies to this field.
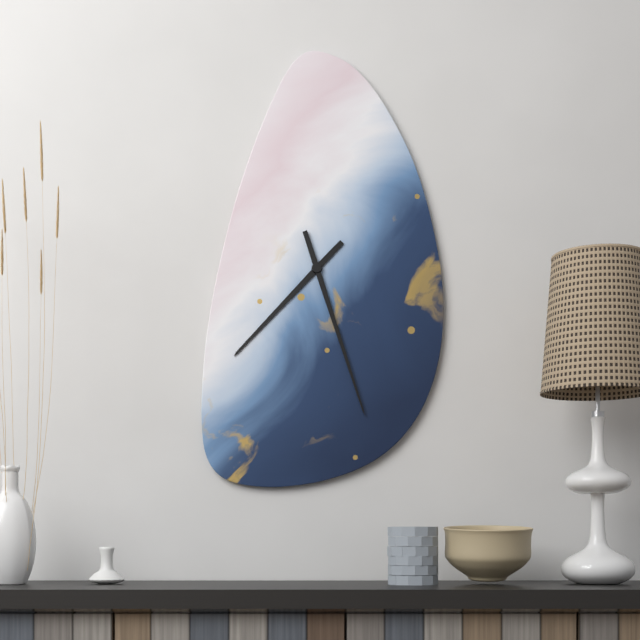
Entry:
h=7 m=27
